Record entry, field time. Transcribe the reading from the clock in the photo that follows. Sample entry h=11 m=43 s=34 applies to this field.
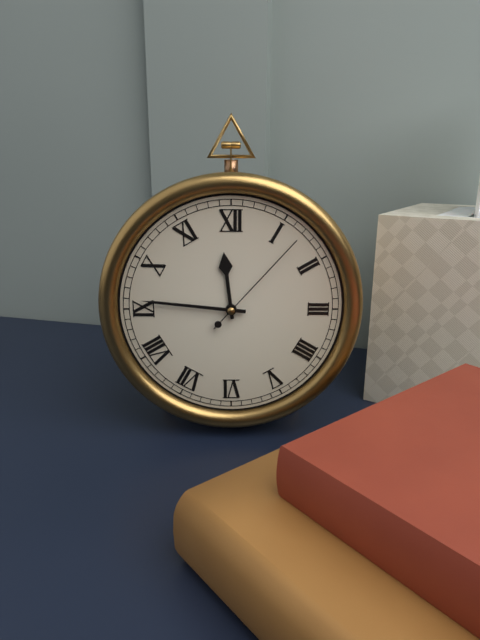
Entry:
h=11 m=46 s=7
